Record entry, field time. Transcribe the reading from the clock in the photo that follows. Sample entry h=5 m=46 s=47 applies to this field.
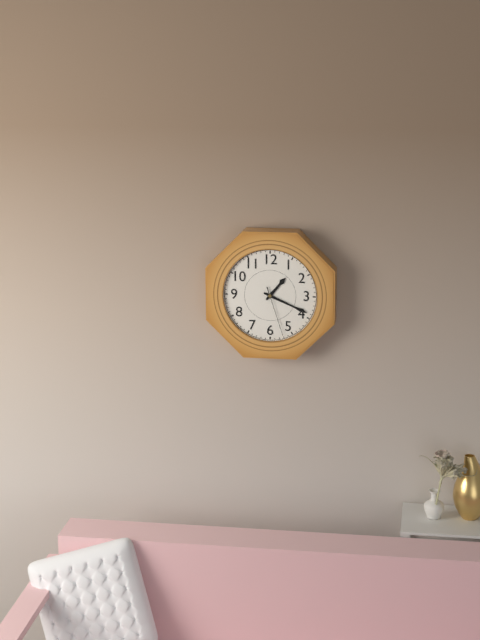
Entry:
h=1 m=19 s=27
